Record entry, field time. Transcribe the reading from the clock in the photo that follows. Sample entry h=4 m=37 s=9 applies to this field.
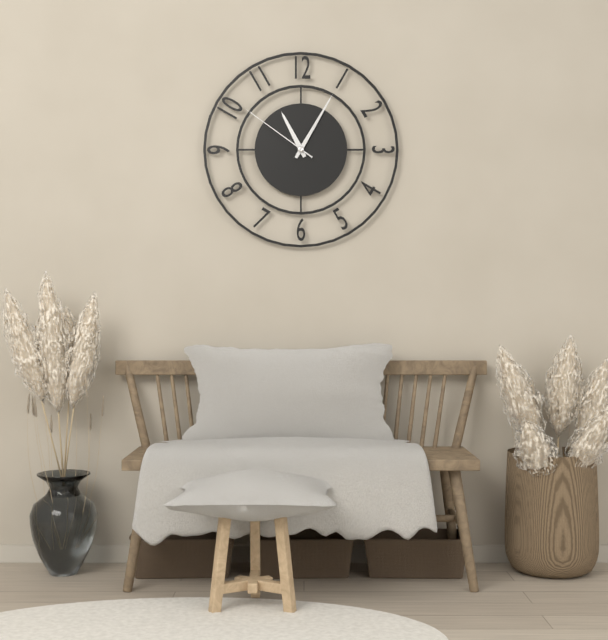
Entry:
h=11 m=5 s=51
